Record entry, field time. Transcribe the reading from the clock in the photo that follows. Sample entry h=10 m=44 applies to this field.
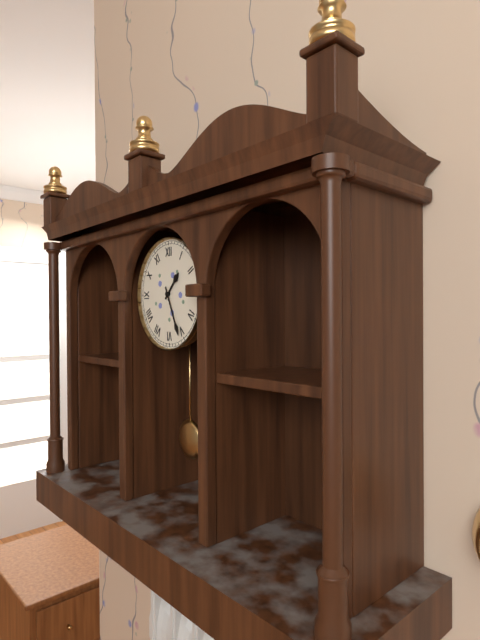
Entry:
h=1 m=26
